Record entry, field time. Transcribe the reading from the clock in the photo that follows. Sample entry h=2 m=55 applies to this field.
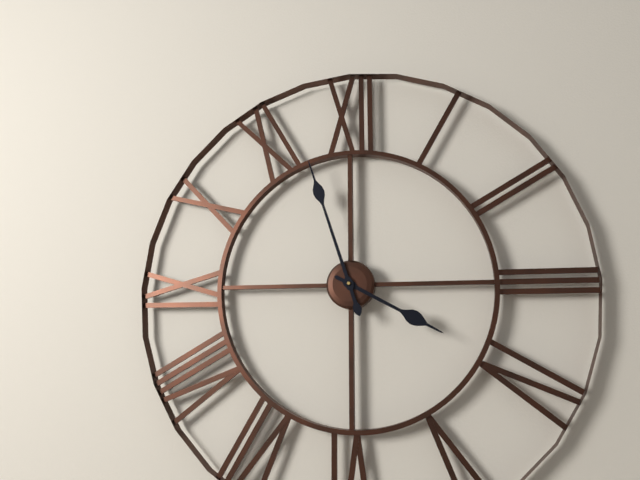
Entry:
h=3 m=57
